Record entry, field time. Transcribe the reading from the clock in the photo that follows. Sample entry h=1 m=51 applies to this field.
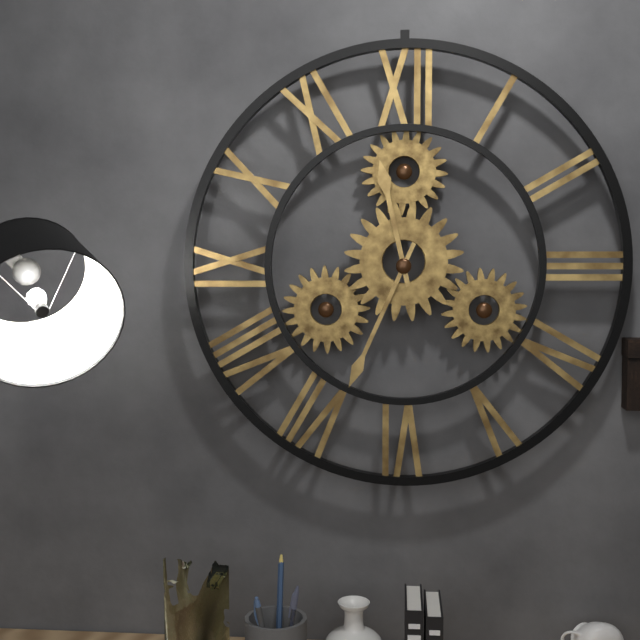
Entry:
h=11 m=34
